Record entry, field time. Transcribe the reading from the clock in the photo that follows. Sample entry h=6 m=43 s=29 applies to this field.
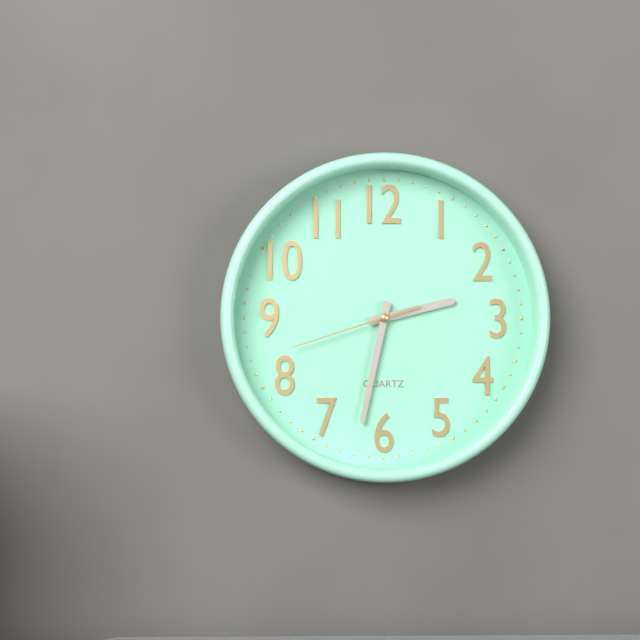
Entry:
h=2 m=32 s=42
